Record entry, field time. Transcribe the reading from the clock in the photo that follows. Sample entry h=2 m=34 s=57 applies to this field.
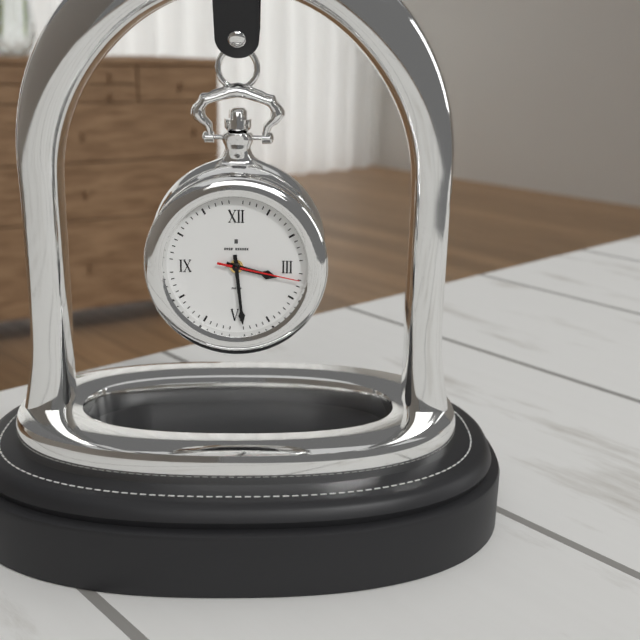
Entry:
h=3 m=29 s=17
